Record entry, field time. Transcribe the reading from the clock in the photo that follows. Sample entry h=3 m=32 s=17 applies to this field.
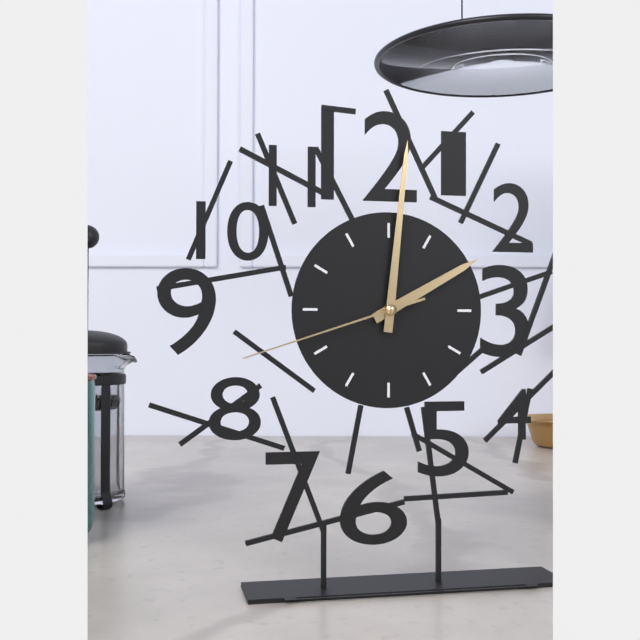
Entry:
h=2 m=1 s=42
